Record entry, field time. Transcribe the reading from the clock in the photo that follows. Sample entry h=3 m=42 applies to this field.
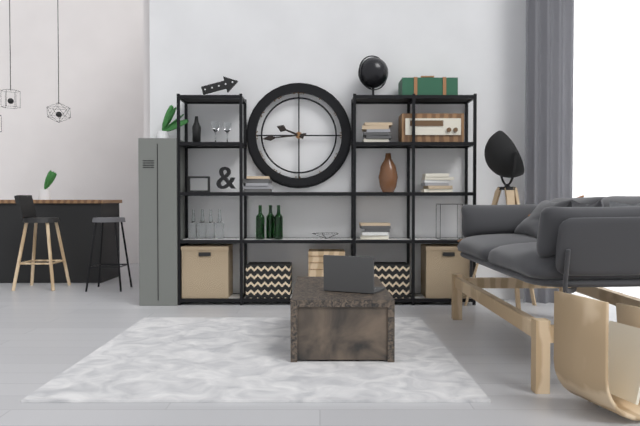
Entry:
h=9 m=44
